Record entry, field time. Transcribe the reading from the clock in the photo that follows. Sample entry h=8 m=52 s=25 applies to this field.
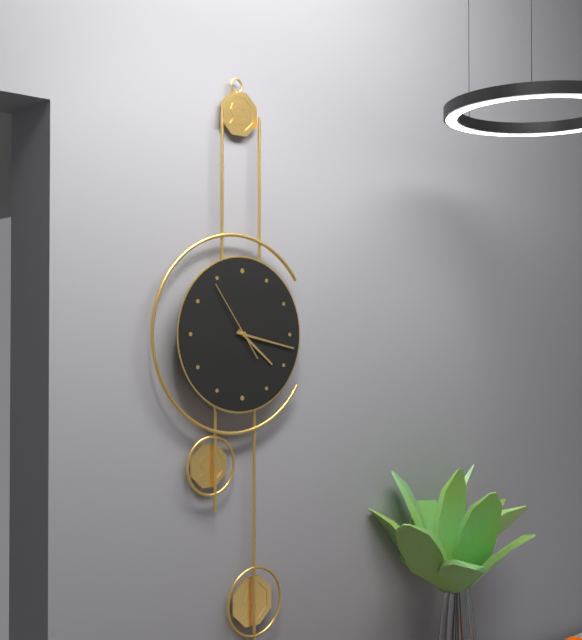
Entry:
h=4 m=17 s=54
